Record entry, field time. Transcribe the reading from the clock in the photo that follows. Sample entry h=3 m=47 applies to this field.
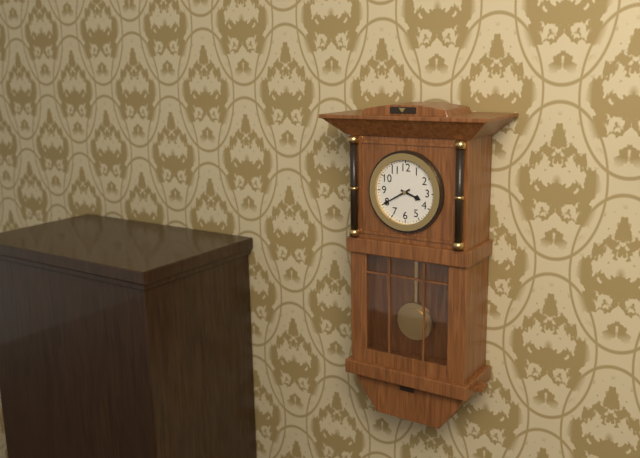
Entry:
h=3 m=40
